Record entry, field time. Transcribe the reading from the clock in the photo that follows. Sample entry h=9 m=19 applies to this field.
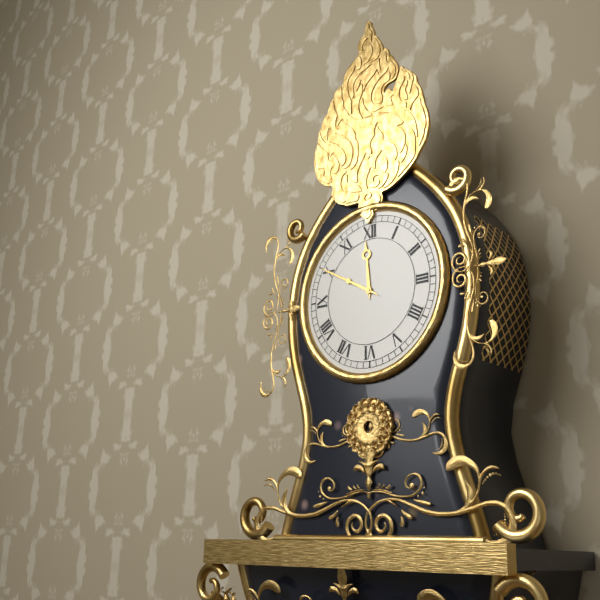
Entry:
h=11 m=50
